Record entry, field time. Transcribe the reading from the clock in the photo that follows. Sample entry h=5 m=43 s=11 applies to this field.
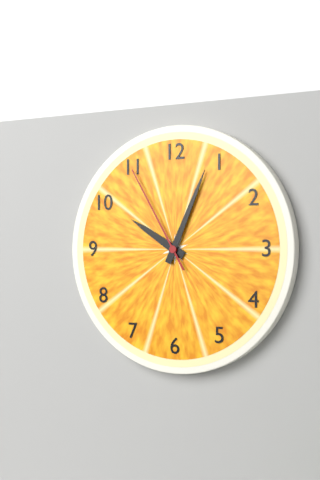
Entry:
h=10 m=4 s=55
